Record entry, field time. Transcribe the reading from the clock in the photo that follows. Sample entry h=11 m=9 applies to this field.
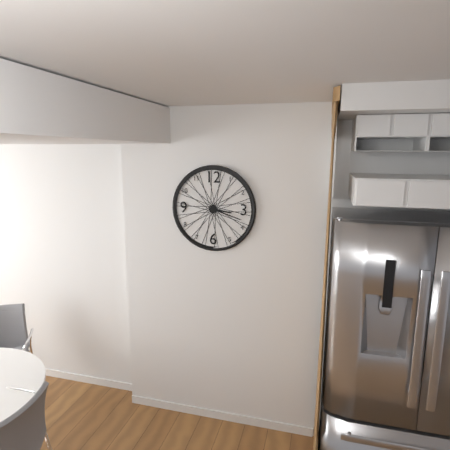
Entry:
h=3 m=18
